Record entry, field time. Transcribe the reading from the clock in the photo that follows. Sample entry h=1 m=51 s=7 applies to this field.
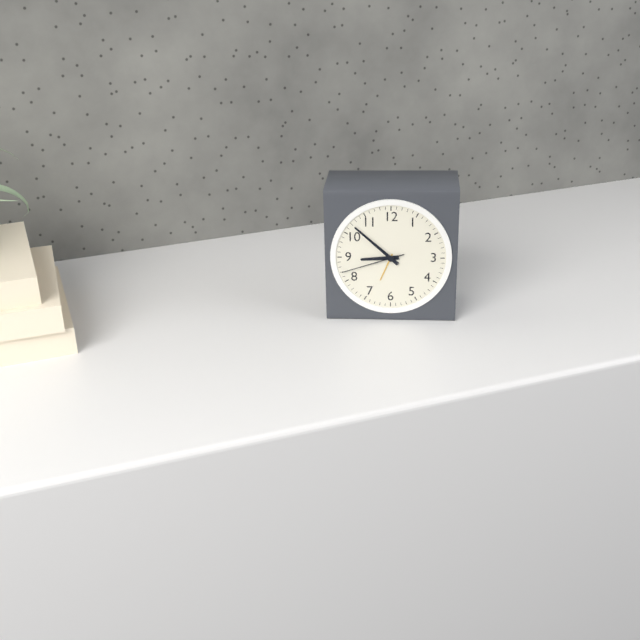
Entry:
h=8 m=52 s=42
